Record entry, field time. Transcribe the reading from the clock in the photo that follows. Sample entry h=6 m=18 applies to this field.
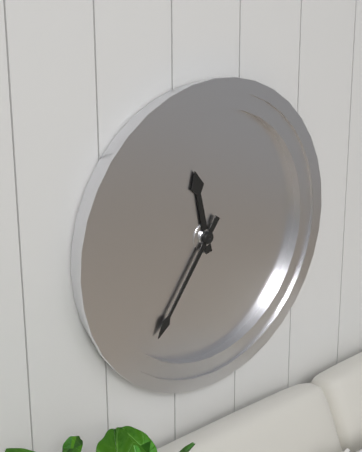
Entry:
h=11 m=36
